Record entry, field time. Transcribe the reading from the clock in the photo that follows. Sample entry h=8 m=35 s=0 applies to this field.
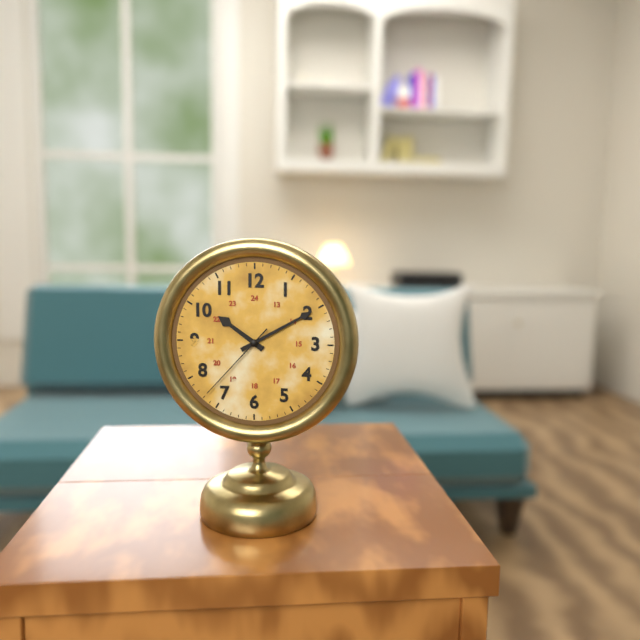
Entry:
h=10 m=10 s=37
